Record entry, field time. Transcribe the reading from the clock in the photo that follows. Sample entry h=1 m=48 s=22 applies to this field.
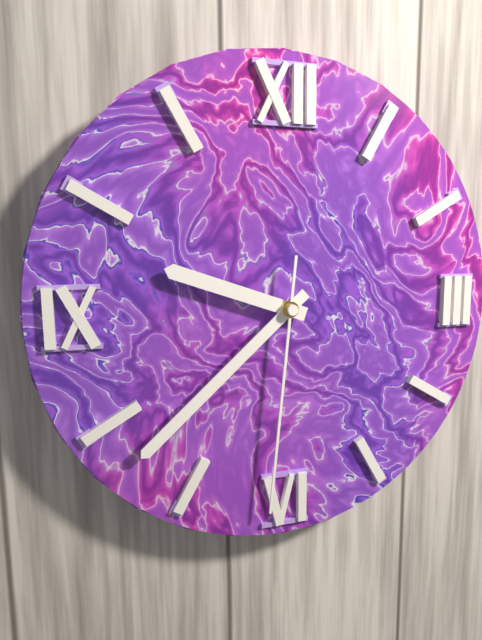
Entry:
h=9 m=38 s=31
